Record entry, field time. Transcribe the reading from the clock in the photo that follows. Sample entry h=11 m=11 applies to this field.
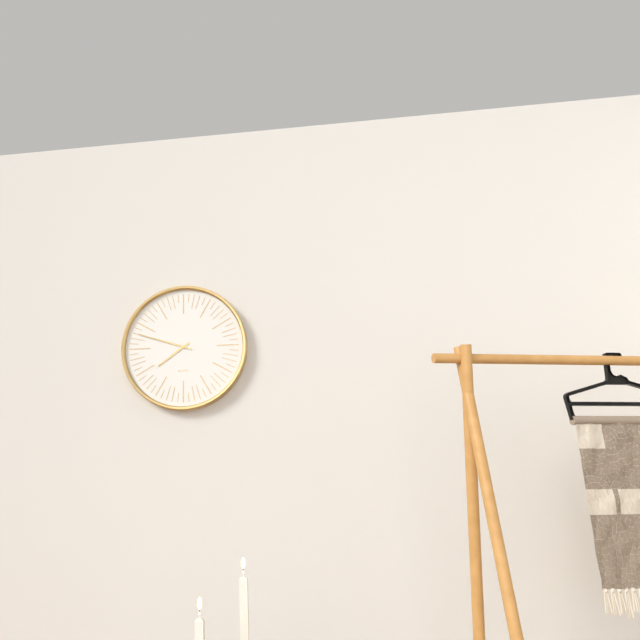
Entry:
h=7 m=48
